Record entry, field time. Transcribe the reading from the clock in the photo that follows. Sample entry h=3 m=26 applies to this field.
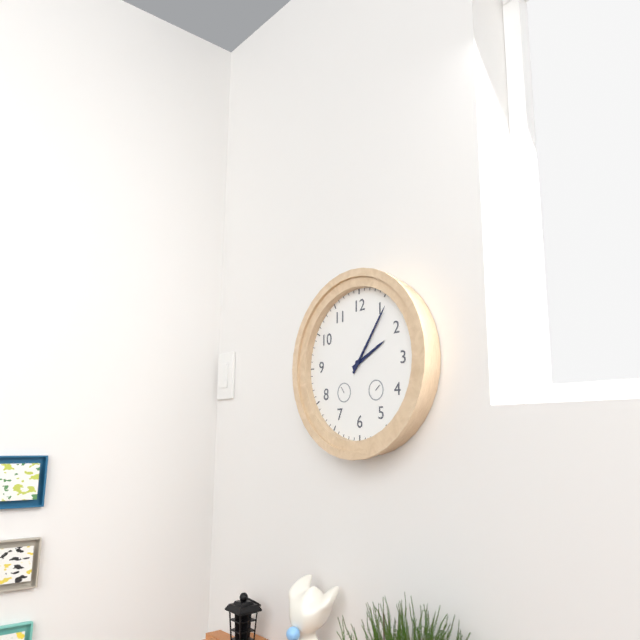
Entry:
h=2 m=6
